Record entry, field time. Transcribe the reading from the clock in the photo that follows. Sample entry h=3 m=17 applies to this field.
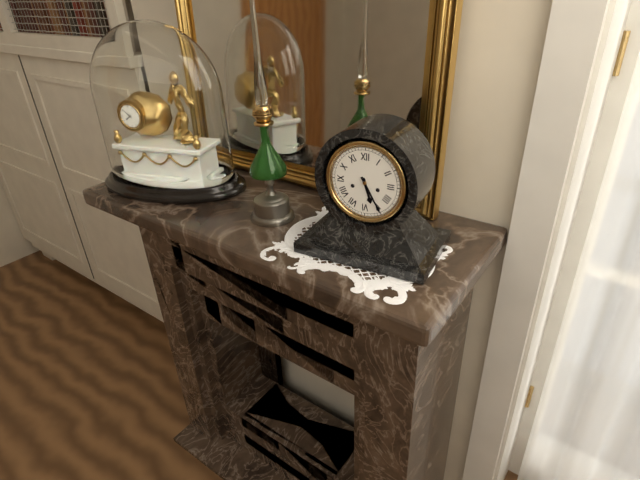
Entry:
h=5 m=25
